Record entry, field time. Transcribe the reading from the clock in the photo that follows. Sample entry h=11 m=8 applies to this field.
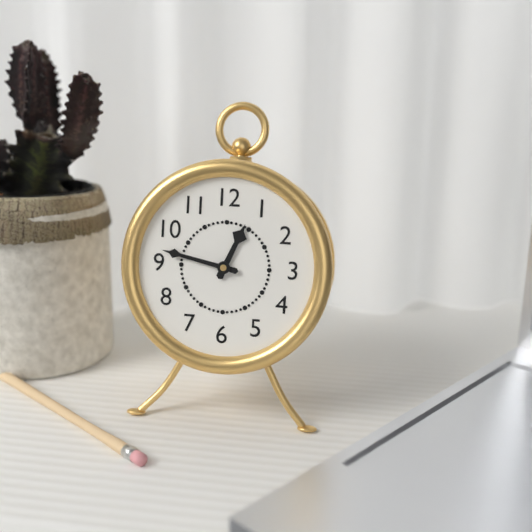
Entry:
h=12 m=47
